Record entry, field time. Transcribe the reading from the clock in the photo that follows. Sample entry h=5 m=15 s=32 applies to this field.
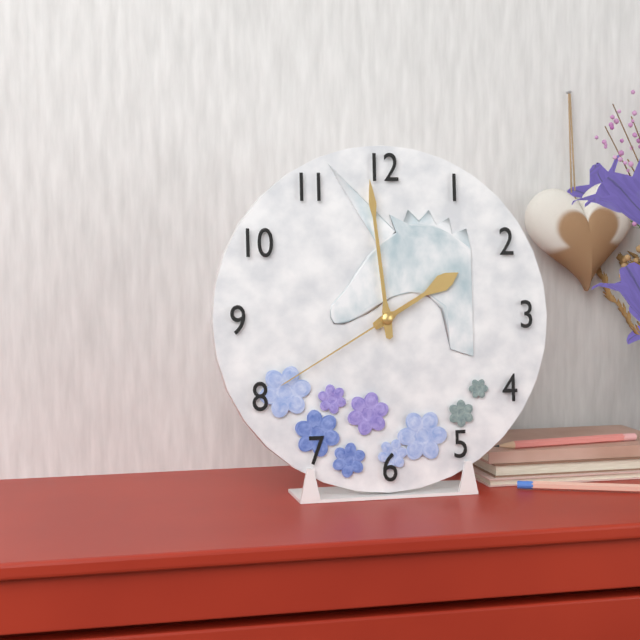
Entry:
h=1 m=59 s=40
